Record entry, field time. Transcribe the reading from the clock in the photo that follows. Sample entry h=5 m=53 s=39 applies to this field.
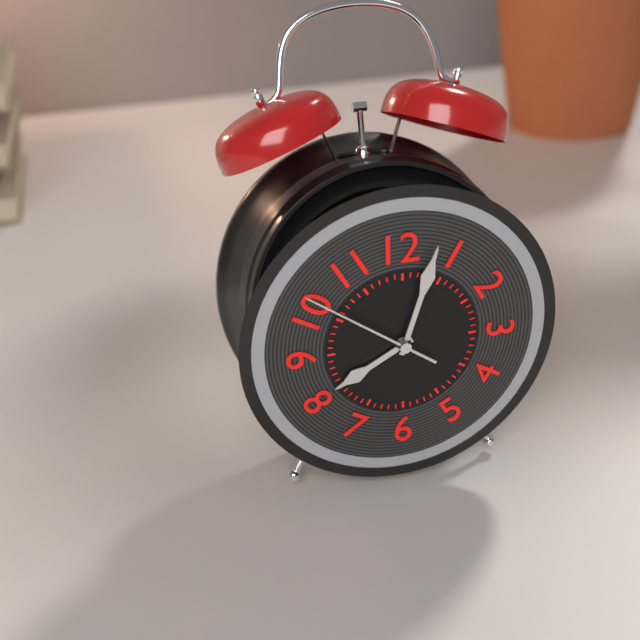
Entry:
h=8 m=3 s=51
